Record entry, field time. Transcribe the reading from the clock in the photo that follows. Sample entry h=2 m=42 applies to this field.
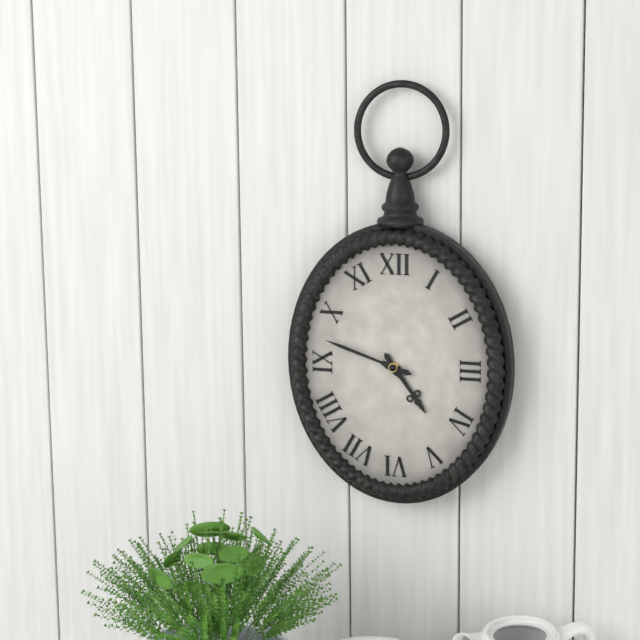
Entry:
h=4 m=48
